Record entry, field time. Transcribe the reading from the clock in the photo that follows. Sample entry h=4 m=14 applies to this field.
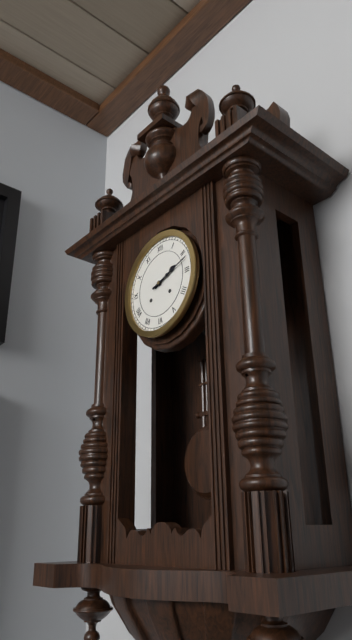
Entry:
h=2 m=12
